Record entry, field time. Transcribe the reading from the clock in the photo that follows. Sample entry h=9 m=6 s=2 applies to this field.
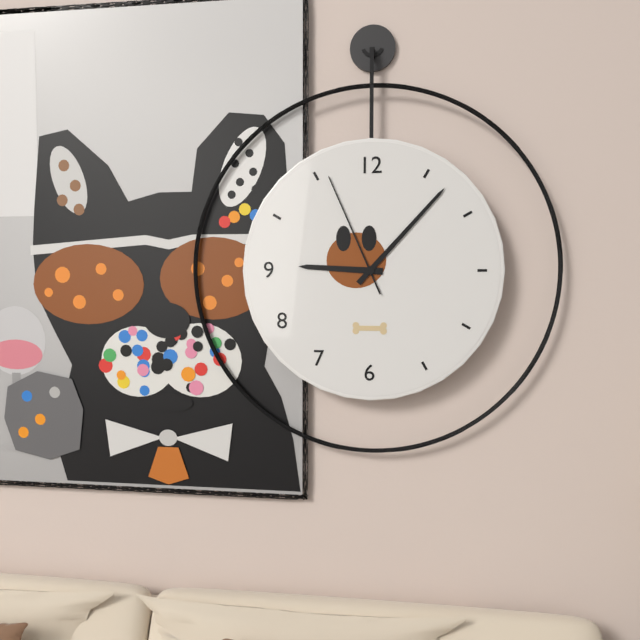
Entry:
h=9 m=7 s=56
